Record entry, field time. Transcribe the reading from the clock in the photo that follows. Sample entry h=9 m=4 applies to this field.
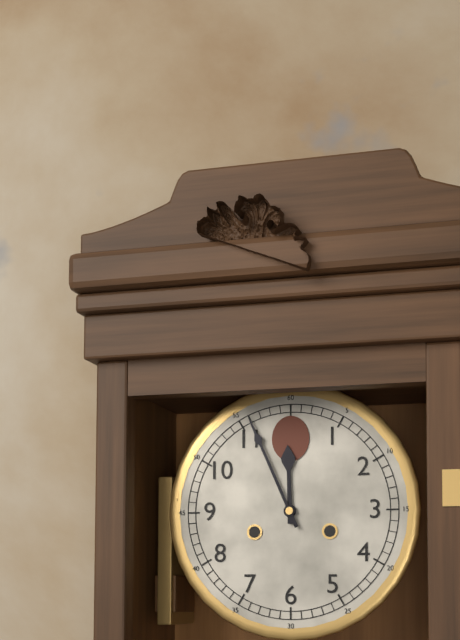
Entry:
h=11 m=56
